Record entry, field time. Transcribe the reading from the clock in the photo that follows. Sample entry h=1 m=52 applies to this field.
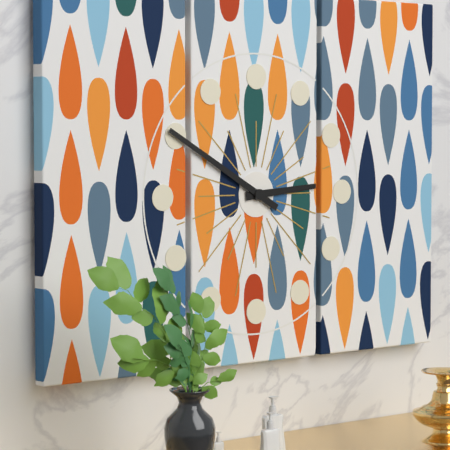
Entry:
h=2 m=50
